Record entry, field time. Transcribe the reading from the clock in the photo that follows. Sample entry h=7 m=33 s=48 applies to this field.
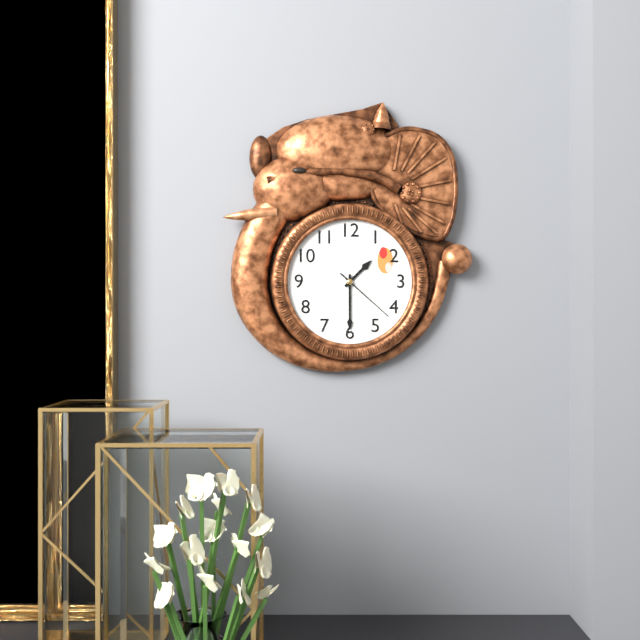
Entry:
h=1 m=30 s=22
